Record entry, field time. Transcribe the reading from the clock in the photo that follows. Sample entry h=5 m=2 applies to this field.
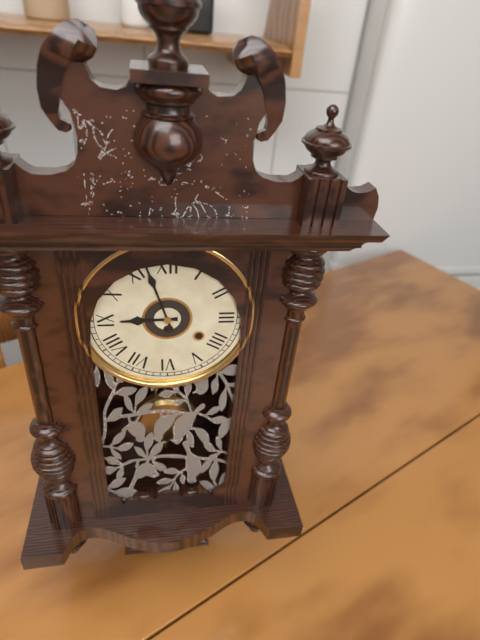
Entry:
h=8 m=57
